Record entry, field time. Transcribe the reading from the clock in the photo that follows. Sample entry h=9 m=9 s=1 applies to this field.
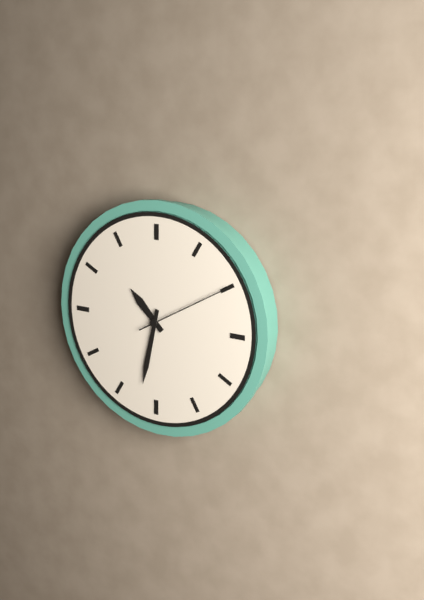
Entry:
h=10 m=32 s=10
